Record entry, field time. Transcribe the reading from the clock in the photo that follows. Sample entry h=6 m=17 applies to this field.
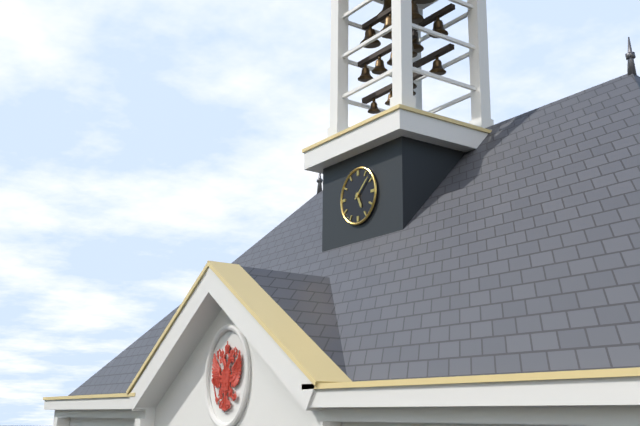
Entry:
h=5 m=8
